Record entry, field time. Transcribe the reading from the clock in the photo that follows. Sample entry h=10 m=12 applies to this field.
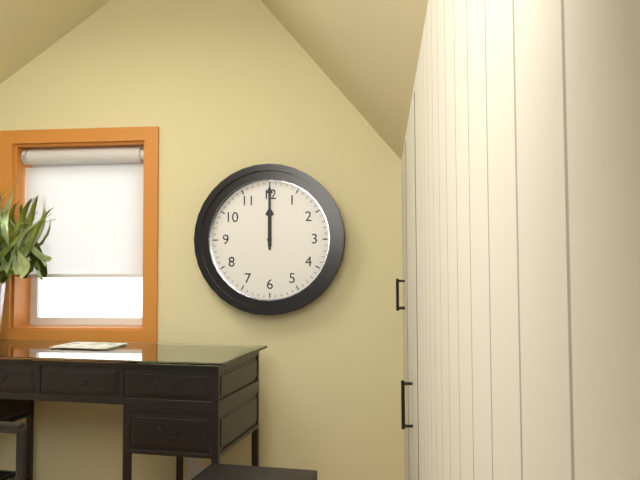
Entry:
h=12 m=0
